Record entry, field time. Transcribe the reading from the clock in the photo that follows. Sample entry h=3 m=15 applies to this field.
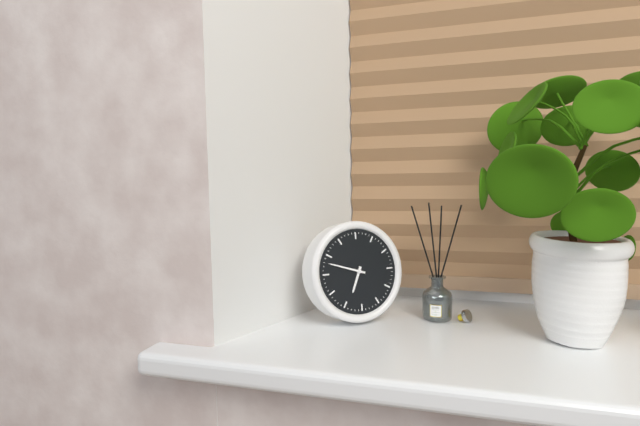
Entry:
h=6 m=48
